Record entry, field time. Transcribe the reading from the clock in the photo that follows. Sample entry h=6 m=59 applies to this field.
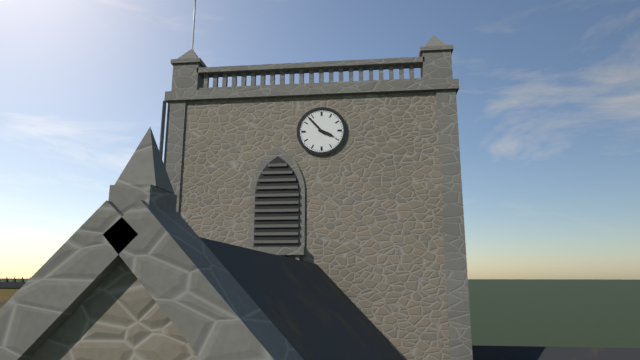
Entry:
h=3 m=53
